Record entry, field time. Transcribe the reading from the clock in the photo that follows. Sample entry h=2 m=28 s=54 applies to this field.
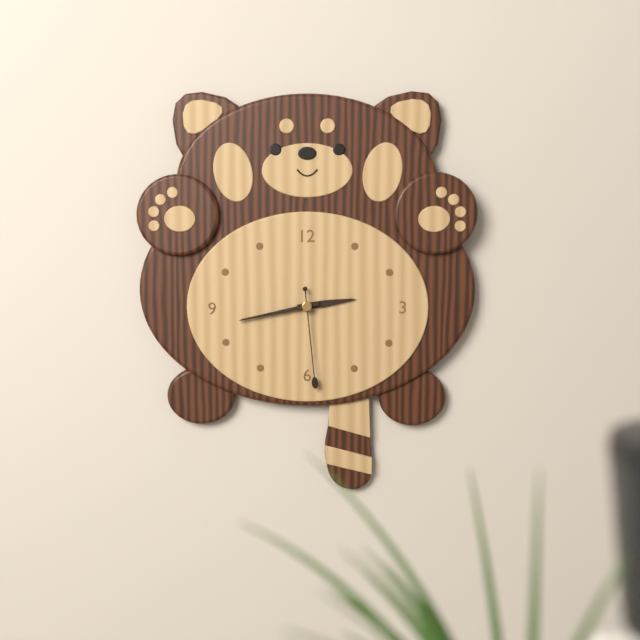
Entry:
h=2 m=43 s=29
